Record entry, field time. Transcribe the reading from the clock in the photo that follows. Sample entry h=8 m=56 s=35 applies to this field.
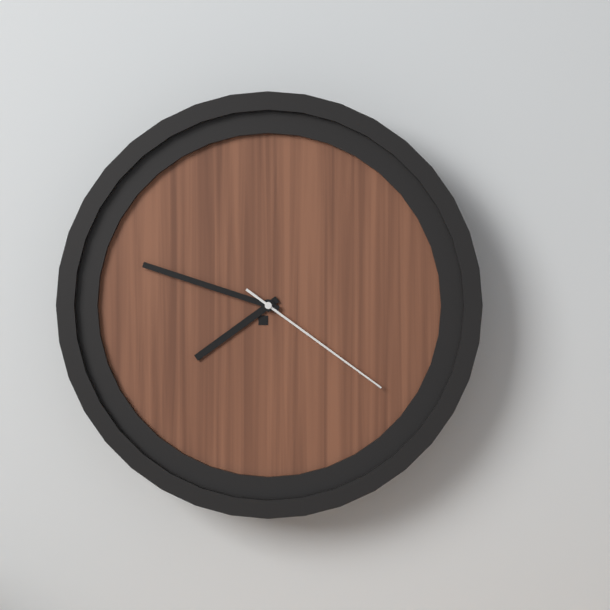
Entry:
h=7 m=48 s=21
